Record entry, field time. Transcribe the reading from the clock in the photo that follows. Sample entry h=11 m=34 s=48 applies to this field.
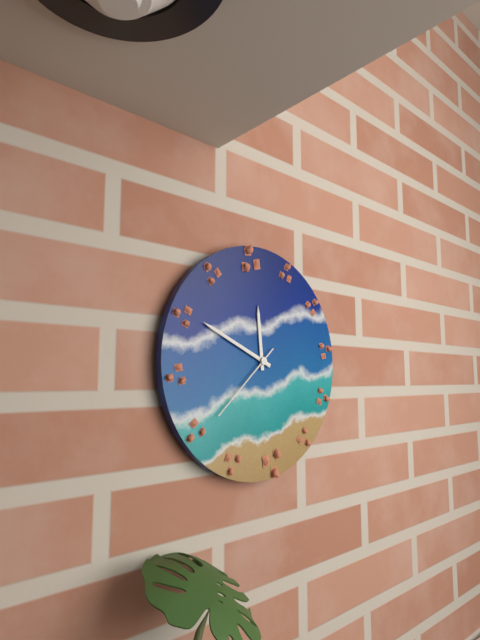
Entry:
h=11 m=49 s=38
